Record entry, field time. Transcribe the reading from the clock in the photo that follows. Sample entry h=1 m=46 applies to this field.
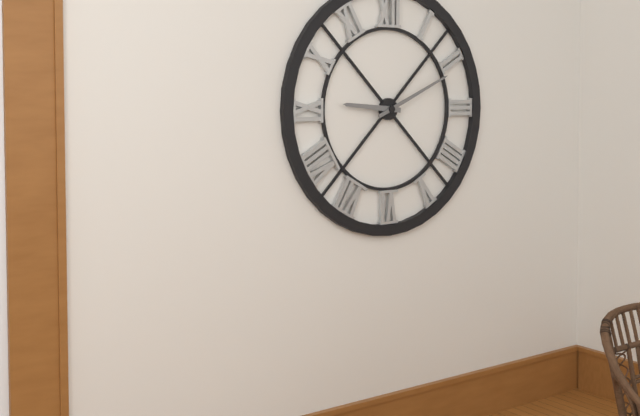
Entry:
h=9 m=11
